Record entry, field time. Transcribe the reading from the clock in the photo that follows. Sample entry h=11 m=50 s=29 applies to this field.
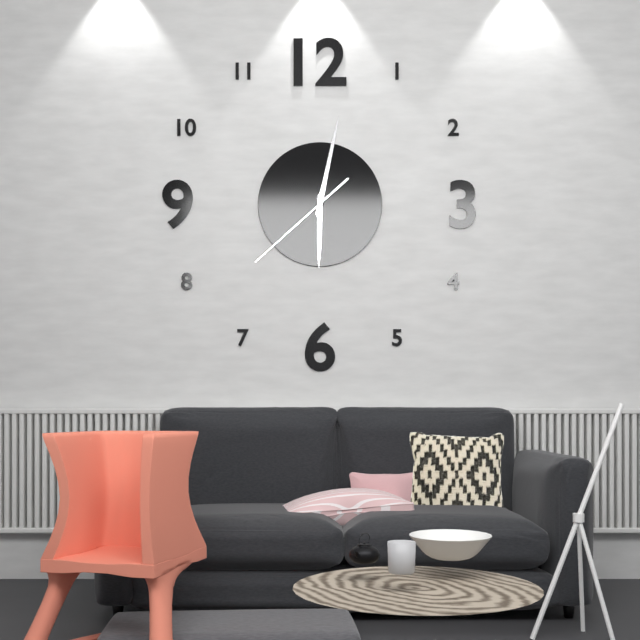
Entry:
h=6 m=2 s=38
